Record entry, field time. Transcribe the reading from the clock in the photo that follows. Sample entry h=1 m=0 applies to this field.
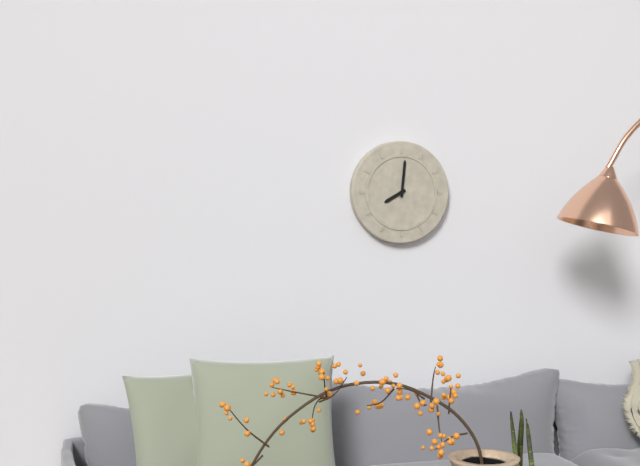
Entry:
h=8 m=1
